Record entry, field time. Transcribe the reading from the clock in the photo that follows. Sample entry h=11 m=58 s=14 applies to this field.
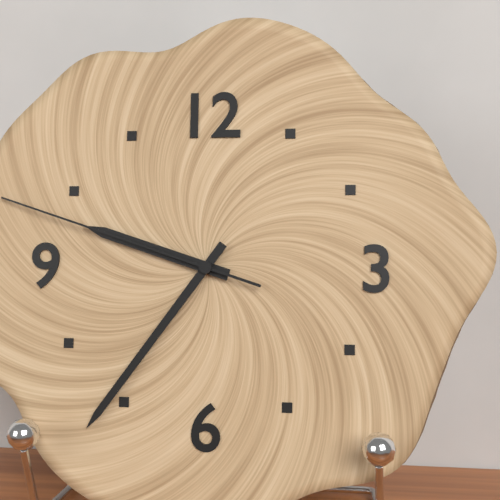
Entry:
h=9 m=36 s=48
